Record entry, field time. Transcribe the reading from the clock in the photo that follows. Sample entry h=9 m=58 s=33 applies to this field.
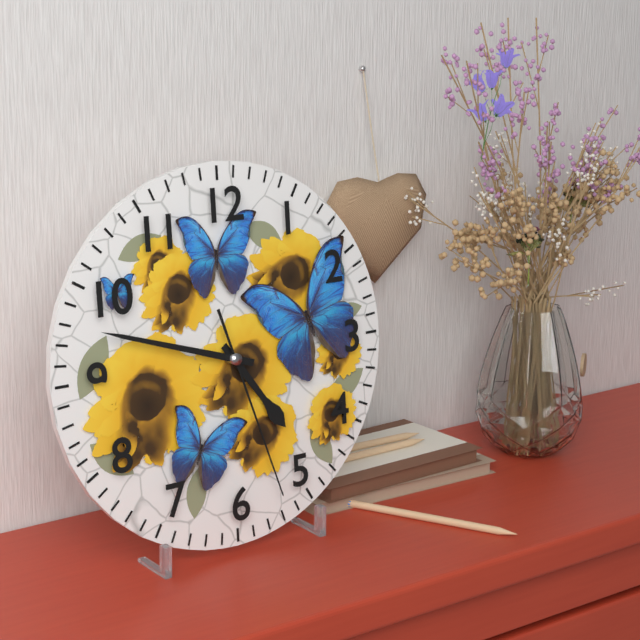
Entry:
h=4 m=48 s=27
